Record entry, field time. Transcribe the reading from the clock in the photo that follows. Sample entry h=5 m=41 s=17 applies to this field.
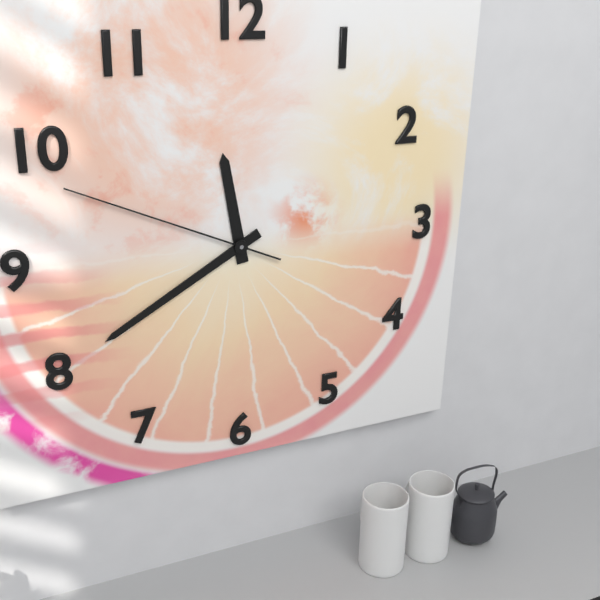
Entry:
h=11 m=40 s=49
